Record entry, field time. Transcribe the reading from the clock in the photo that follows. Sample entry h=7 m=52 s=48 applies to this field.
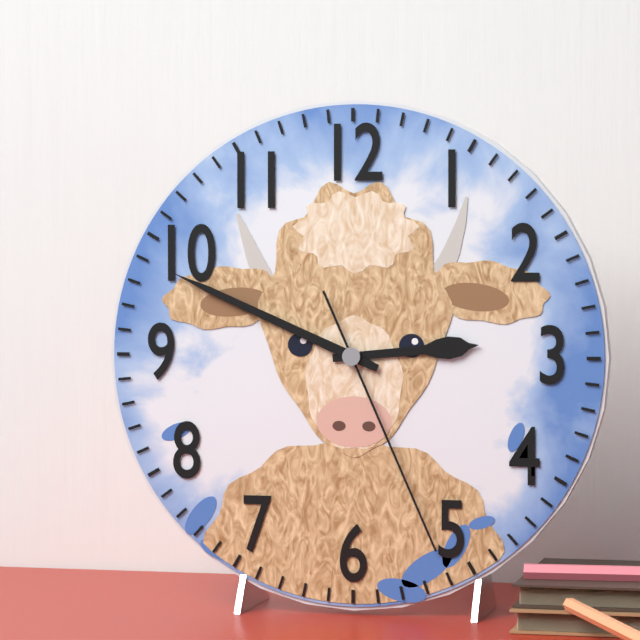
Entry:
h=2 m=49 s=26
